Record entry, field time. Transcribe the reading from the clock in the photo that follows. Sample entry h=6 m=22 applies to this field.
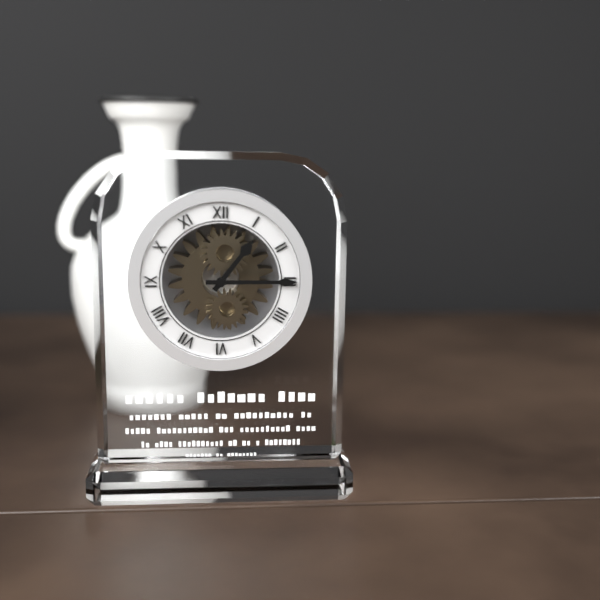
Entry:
h=1 m=15
